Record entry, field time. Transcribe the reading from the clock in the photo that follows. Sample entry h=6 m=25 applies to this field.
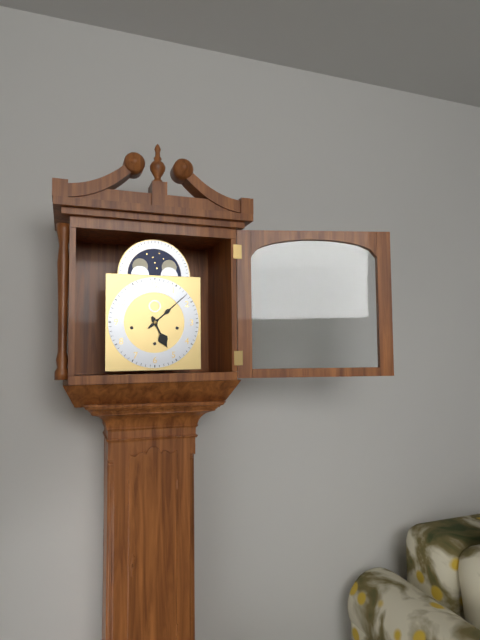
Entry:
h=5 m=8
